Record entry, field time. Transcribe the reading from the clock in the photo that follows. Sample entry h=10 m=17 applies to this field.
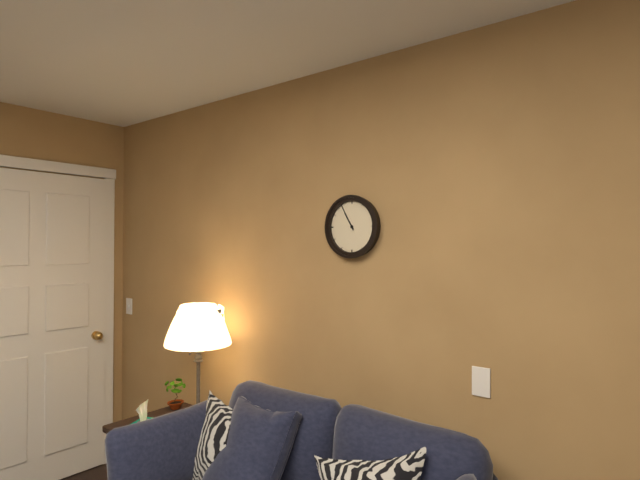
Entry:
h=10 m=55
